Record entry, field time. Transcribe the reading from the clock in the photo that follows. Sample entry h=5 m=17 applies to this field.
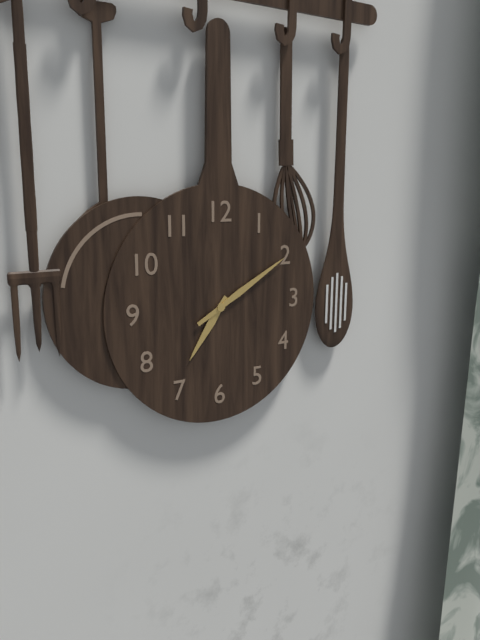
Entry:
h=7 m=10
